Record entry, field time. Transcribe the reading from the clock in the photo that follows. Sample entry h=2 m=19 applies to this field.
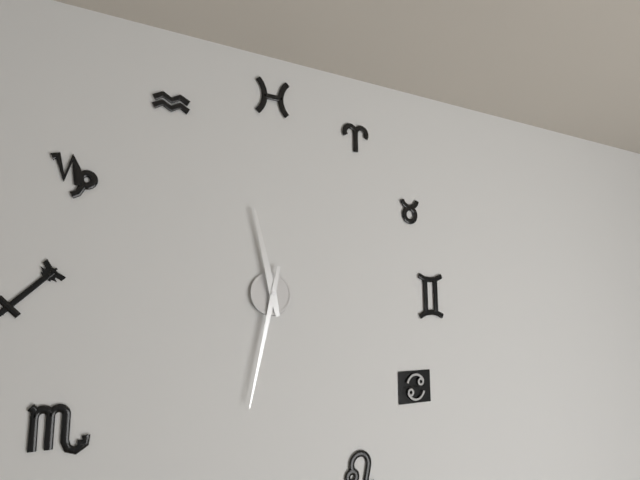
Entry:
h=11 m=32
